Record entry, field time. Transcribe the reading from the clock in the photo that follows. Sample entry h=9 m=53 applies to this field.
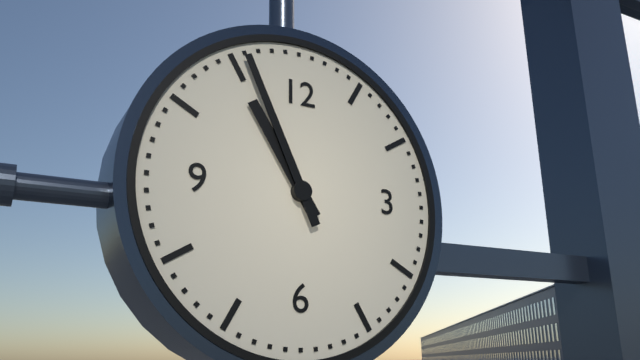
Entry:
h=10 m=56
